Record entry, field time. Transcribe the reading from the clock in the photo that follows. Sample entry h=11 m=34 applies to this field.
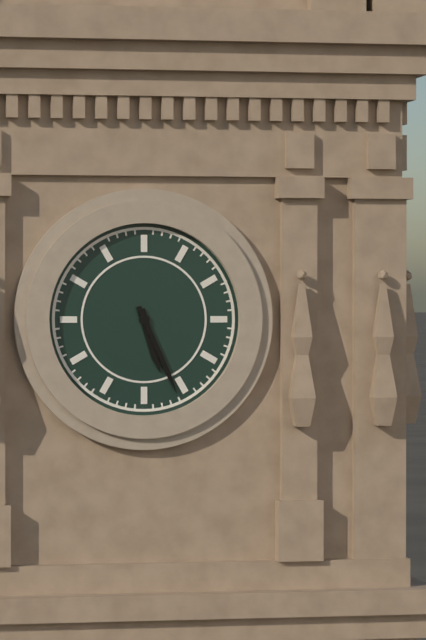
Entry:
h=5 m=26
